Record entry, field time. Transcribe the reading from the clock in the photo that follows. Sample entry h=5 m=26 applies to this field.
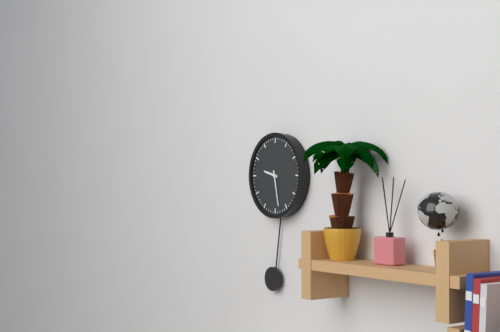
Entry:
h=9 m=28
